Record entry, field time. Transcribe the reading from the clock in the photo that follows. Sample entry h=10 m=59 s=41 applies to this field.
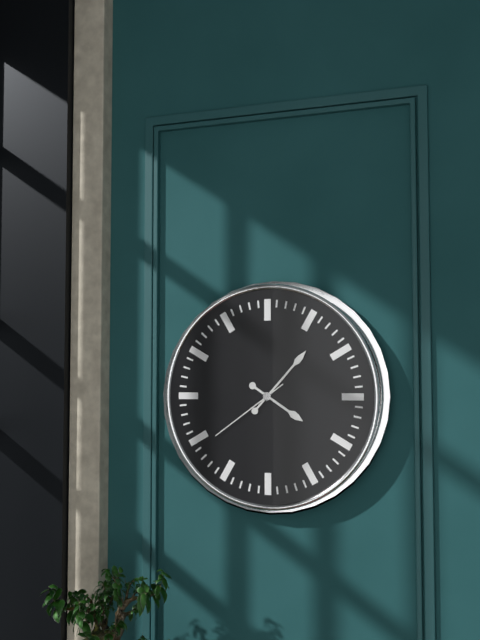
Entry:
h=4 m=7 s=39
